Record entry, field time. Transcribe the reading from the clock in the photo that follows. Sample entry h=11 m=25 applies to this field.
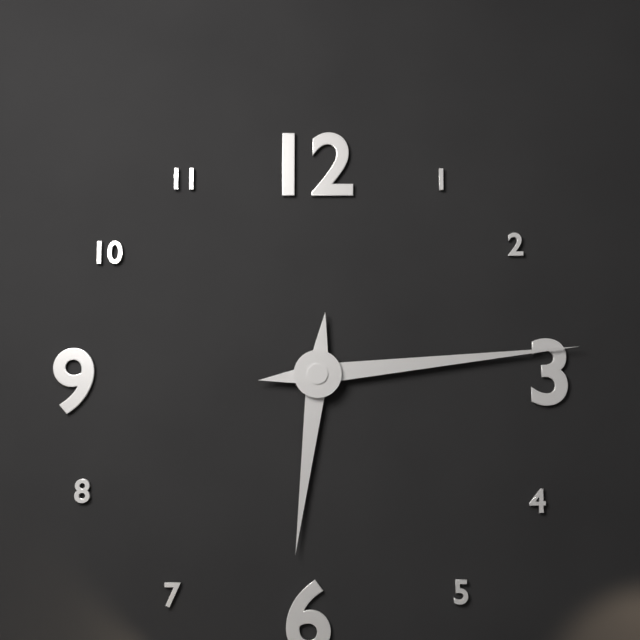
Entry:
h=6 m=14
